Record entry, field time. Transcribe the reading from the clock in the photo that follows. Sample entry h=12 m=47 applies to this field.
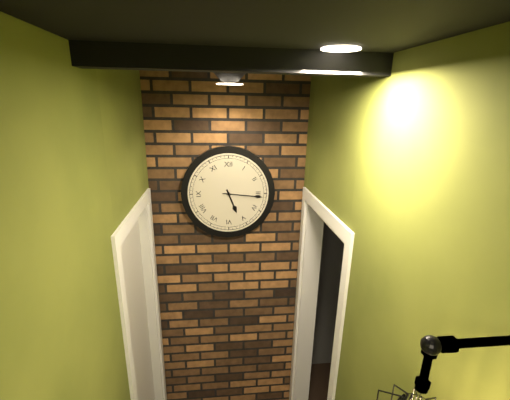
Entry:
h=5 m=16
